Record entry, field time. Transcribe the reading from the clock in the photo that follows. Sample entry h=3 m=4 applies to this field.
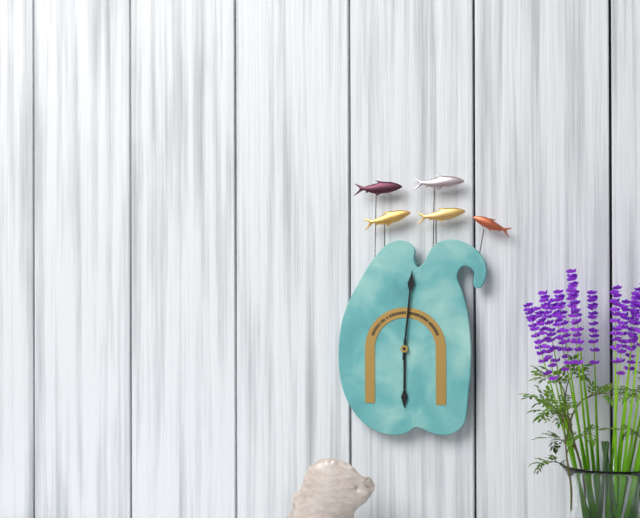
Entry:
h=6 m=1
